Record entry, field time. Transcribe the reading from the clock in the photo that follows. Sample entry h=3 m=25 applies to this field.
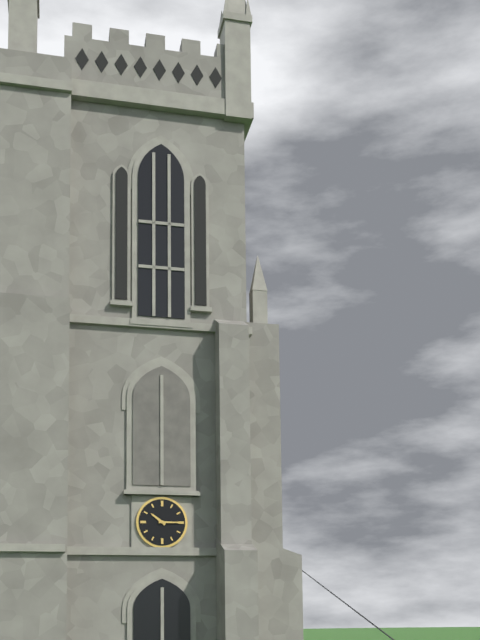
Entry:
h=10 m=15
